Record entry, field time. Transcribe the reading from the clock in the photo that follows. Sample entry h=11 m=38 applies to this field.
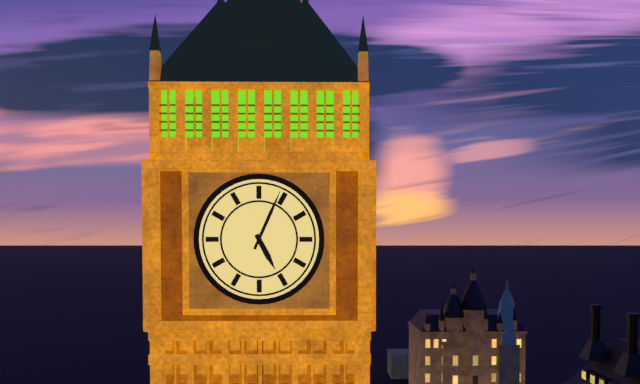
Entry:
h=5 m=4
